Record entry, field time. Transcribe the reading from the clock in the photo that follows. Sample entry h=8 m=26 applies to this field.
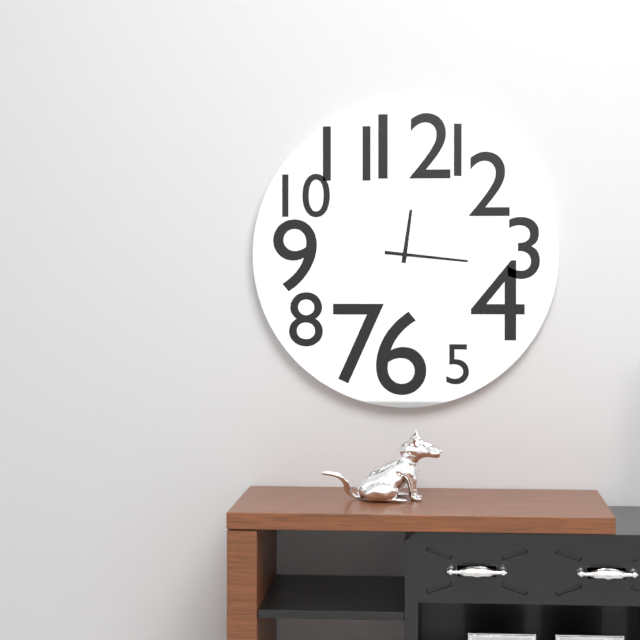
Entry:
h=12 m=16
